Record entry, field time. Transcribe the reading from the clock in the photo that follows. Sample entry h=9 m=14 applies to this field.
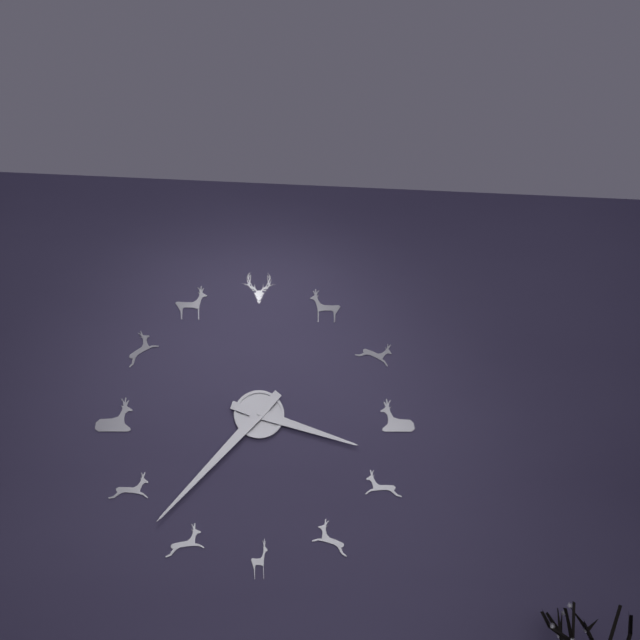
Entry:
h=3 m=37
